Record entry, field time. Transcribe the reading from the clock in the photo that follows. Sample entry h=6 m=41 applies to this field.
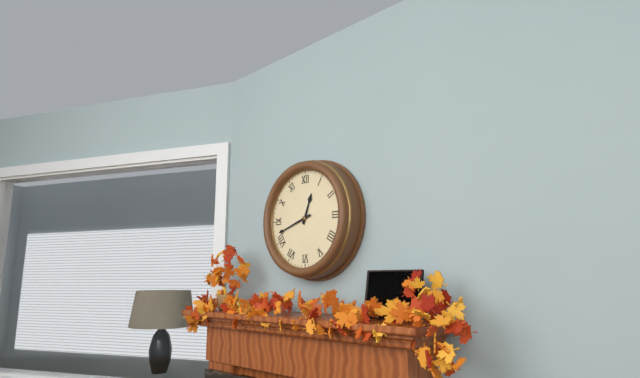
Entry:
h=12 m=42
